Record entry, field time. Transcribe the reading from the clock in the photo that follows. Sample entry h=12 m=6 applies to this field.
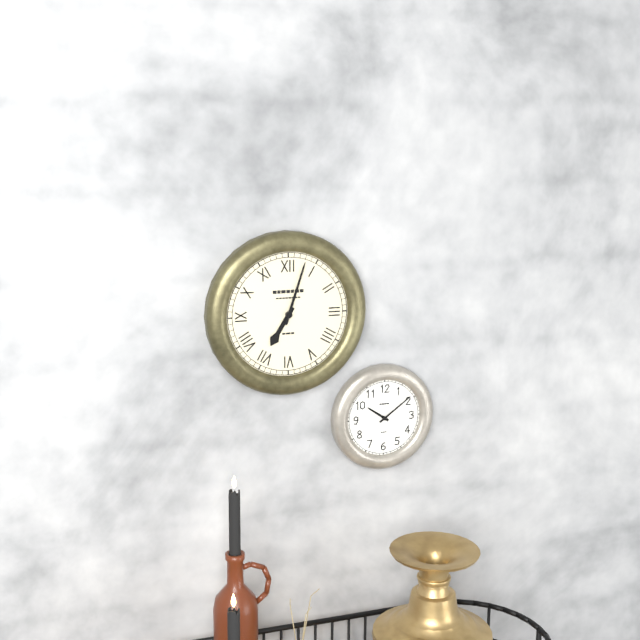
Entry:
h=7 m=3
